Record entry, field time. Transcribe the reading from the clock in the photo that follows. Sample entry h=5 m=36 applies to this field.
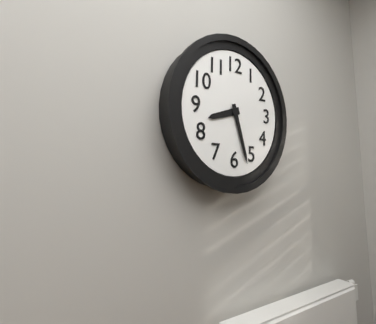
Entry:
h=8 m=27
